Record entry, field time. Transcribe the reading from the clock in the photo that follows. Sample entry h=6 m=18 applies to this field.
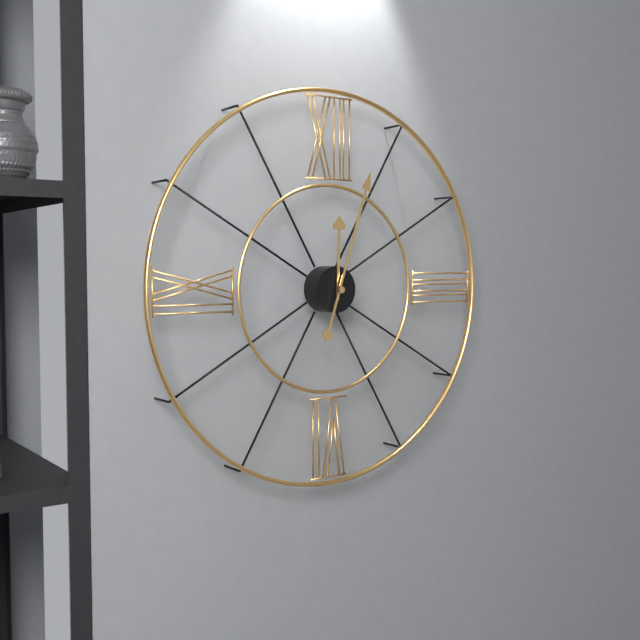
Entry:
h=12 m=3
